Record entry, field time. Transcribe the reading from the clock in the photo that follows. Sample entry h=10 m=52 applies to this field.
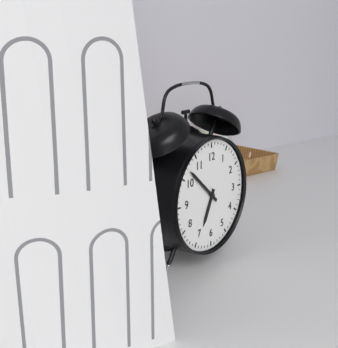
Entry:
h=6 m=52
